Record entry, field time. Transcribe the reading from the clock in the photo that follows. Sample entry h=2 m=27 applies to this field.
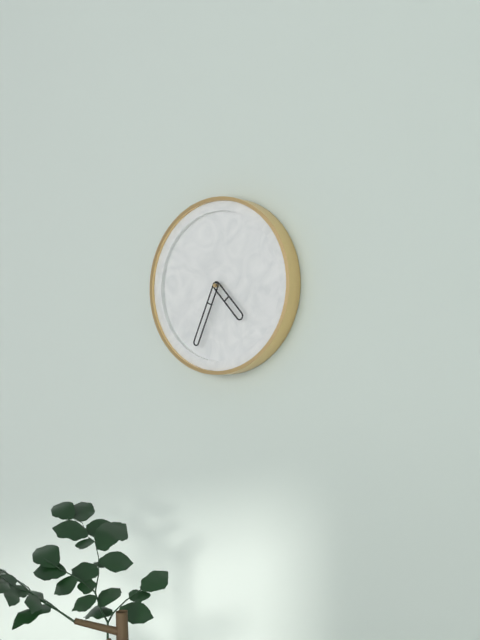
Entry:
h=4 m=34
